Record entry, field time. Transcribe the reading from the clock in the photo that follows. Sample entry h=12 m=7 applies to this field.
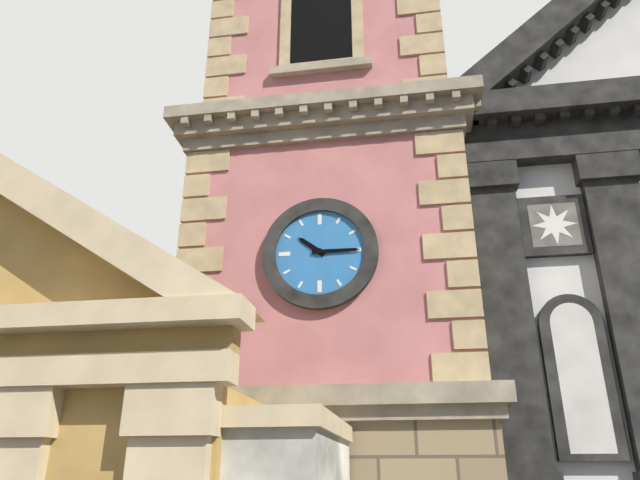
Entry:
h=10 m=15
